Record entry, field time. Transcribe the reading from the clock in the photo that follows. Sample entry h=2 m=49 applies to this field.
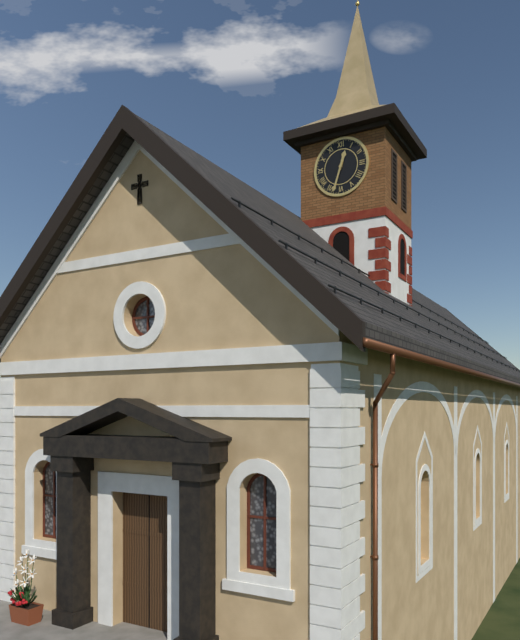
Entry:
h=12 m=33
